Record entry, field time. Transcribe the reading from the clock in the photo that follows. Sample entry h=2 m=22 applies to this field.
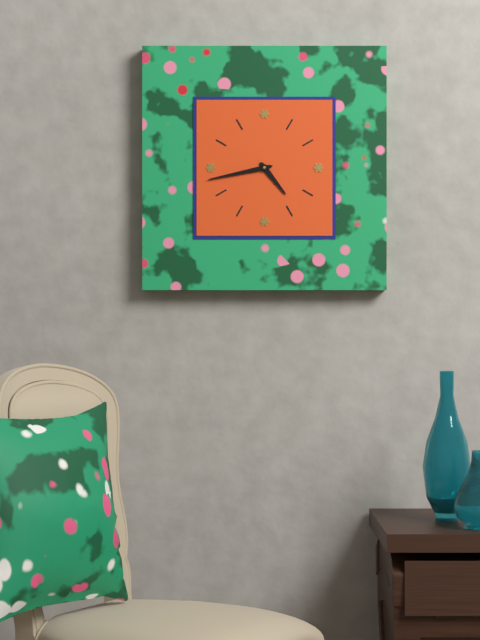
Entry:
h=4 m=43
